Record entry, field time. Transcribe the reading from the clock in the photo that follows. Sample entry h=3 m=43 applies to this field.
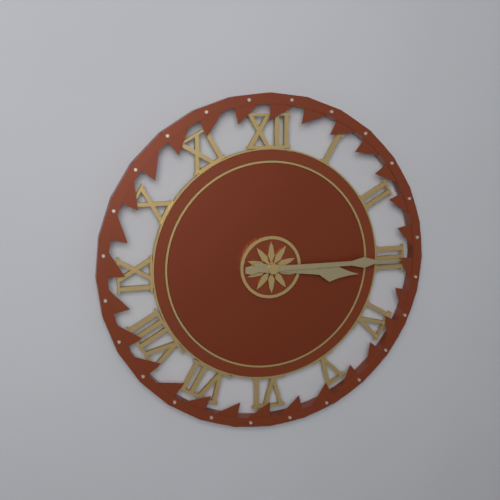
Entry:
h=3 m=15
